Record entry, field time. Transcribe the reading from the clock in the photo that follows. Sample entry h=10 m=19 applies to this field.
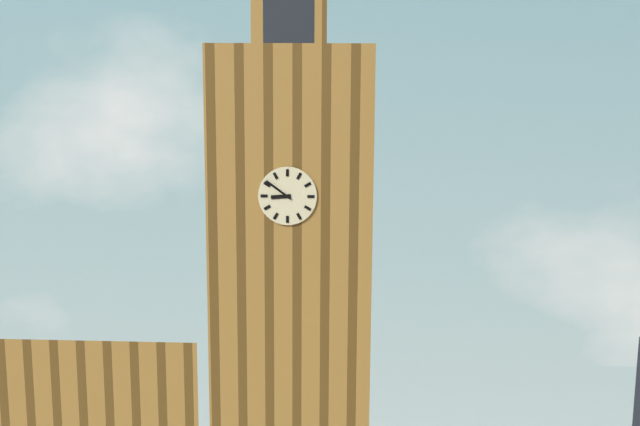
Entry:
h=8 m=51
